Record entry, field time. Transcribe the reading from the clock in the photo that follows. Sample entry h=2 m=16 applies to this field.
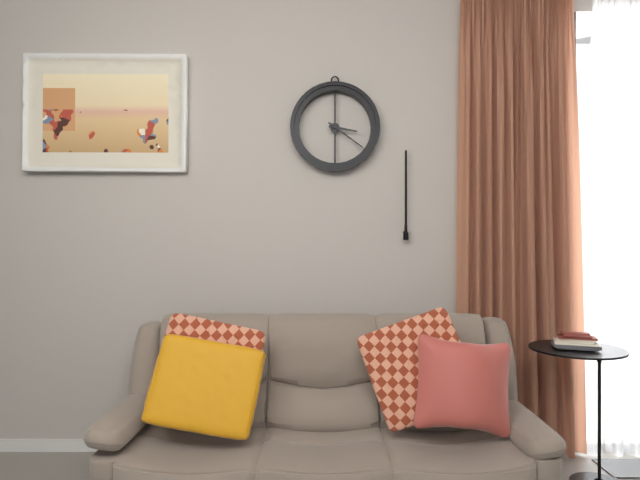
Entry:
h=3 m=21
